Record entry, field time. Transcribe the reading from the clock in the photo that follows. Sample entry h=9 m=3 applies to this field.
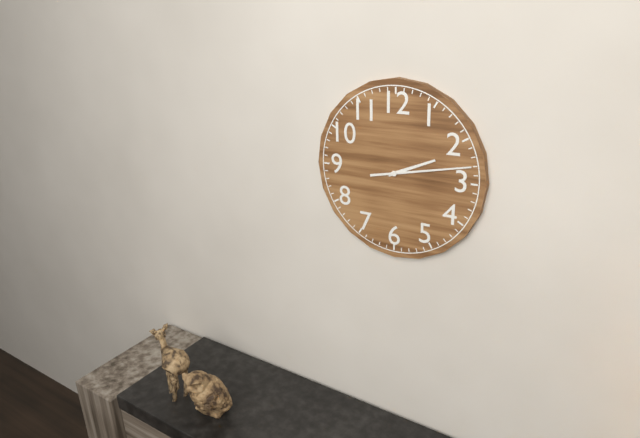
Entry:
h=2 m=13
